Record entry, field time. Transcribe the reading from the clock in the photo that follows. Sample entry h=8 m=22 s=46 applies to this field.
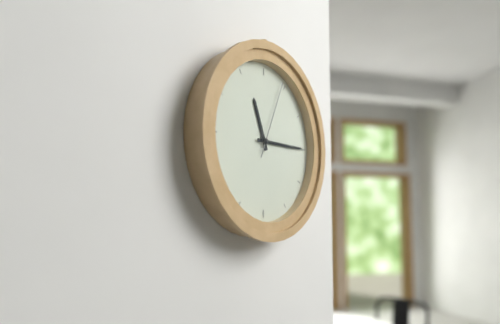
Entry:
h=11 m=15 s=4
